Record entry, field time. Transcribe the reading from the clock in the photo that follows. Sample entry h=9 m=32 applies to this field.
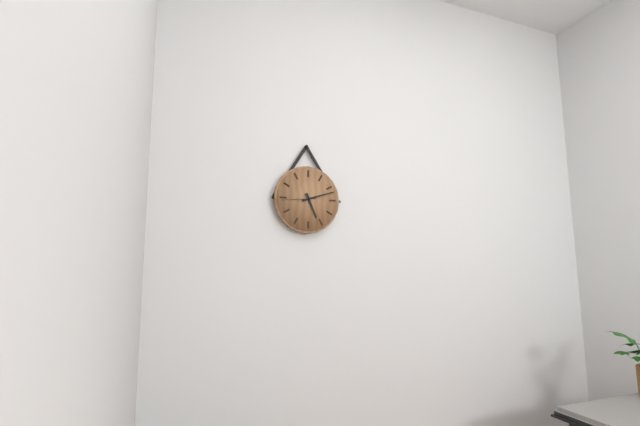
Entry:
h=5 m=12
